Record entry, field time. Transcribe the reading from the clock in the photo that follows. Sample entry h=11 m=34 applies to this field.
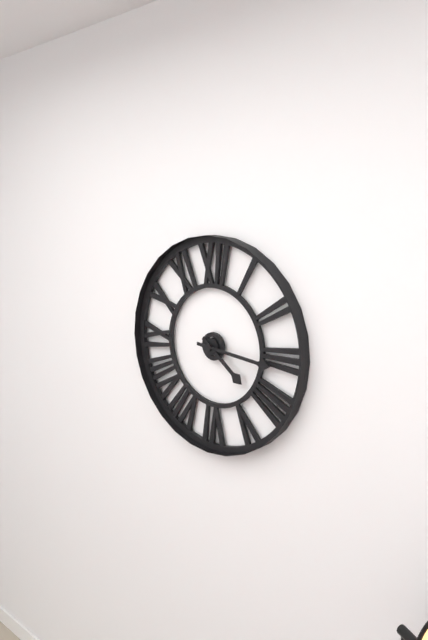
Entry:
h=4 m=16
